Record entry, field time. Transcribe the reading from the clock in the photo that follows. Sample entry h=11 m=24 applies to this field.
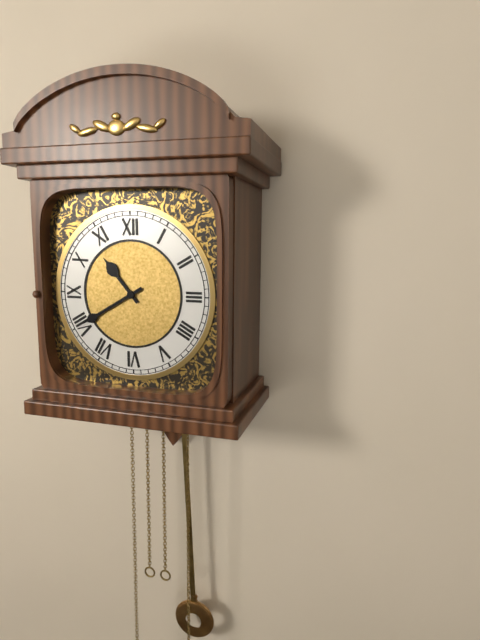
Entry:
h=10 m=40
